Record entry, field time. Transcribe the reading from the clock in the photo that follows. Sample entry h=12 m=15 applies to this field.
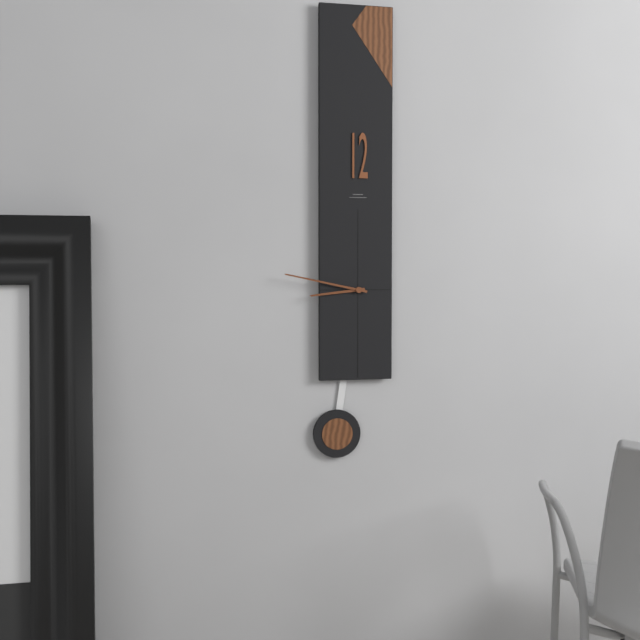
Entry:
h=8 m=47
